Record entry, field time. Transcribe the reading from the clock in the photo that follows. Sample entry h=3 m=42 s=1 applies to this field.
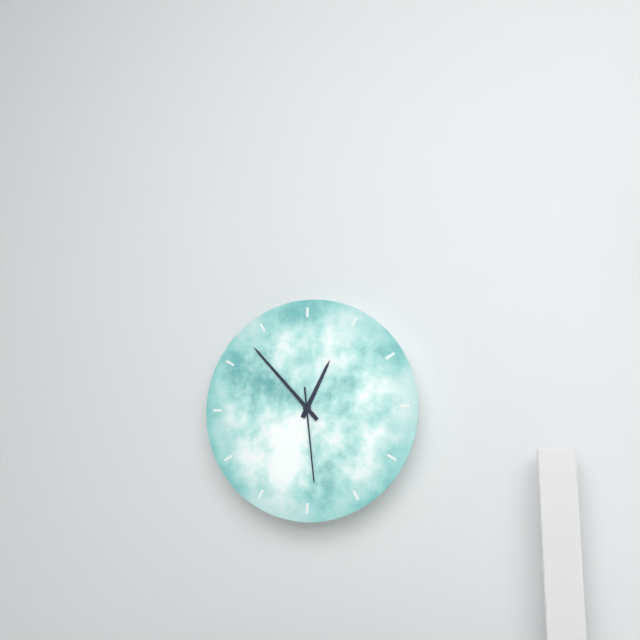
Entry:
h=12 m=53 s=29
